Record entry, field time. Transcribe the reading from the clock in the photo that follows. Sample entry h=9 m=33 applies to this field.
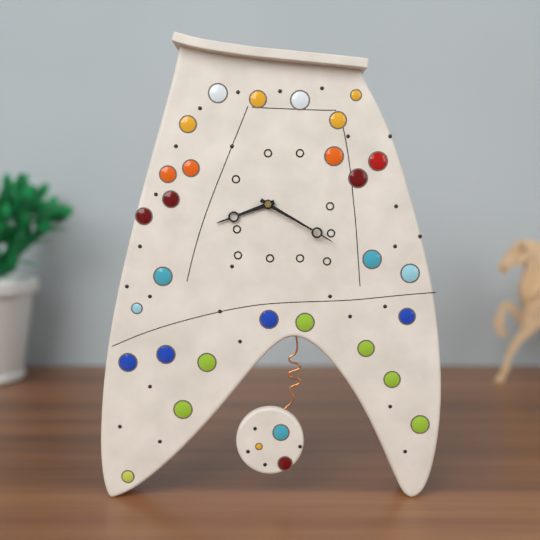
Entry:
h=8 m=20
